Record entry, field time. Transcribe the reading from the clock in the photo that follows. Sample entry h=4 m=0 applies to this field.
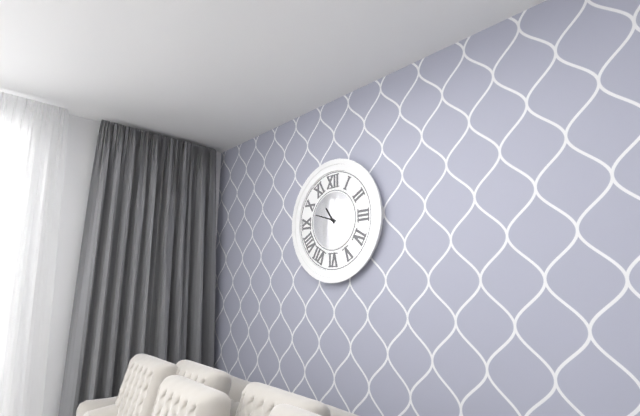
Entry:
h=10 m=48
